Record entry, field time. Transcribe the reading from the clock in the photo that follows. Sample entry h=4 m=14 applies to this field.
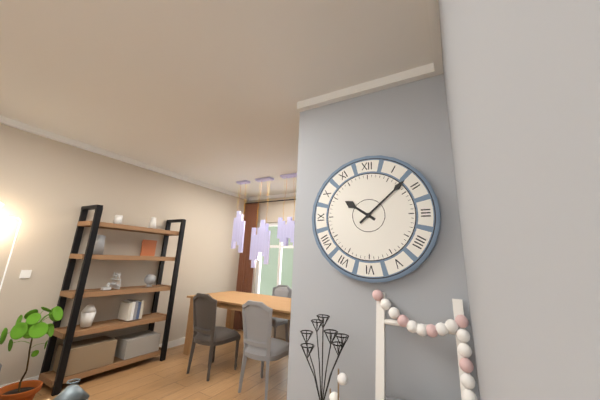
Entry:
h=10 m=8
